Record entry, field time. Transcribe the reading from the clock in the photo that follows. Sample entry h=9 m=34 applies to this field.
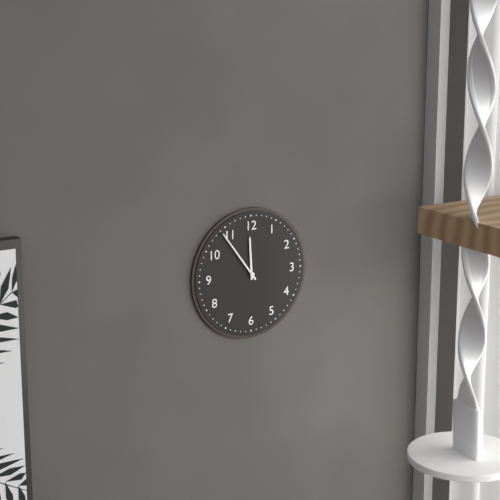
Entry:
h=11 m=54
